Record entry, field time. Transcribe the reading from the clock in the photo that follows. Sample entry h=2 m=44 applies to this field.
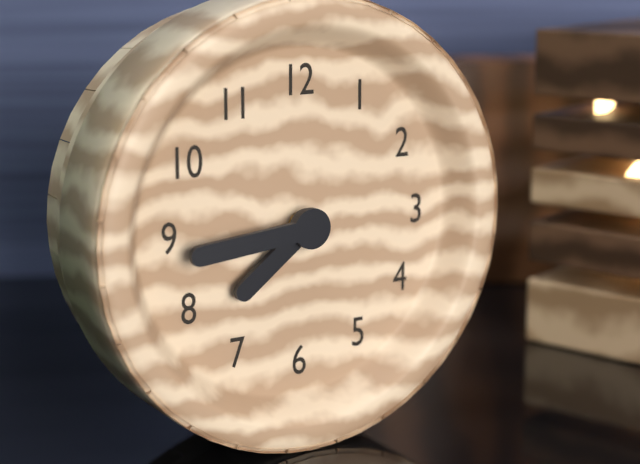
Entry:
h=7 m=44
